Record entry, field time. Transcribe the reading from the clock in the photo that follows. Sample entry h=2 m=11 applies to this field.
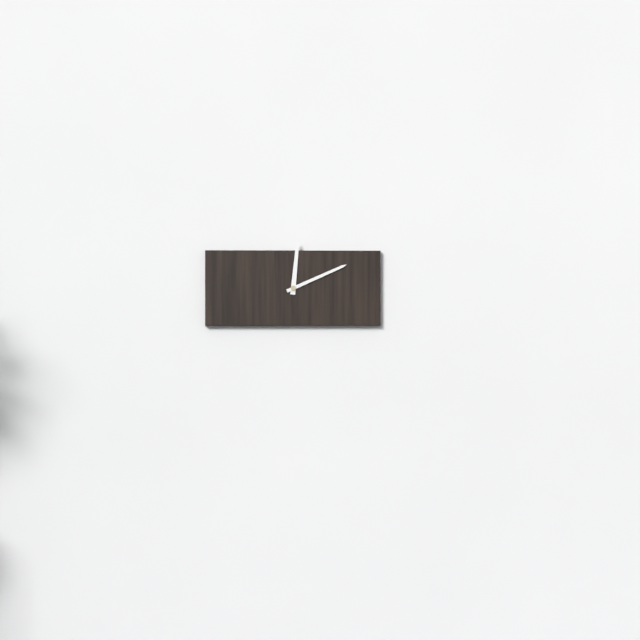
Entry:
h=12 m=11
